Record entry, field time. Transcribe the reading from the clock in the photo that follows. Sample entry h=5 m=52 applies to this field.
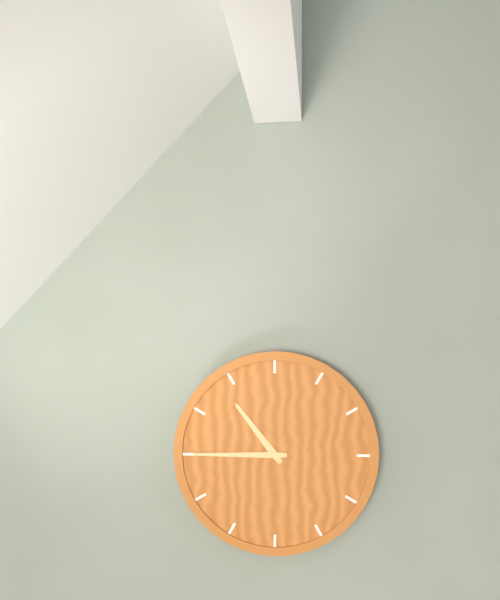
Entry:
h=10 m=45
